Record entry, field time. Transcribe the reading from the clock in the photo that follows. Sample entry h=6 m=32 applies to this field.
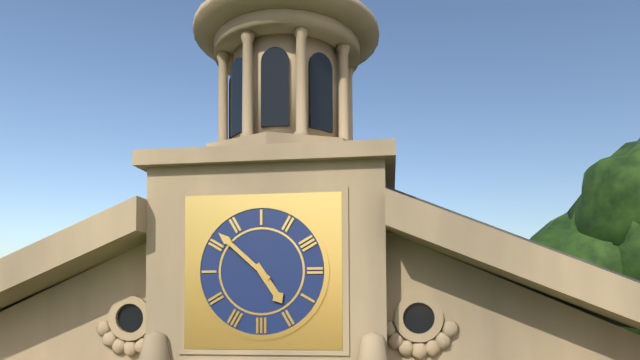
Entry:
h=4 m=52
